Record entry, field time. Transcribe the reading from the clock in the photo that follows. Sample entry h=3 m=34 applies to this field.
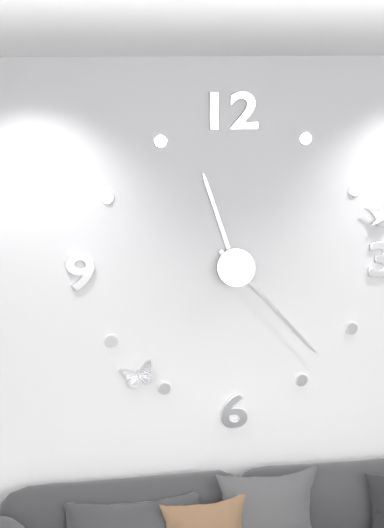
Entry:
h=11 m=23
